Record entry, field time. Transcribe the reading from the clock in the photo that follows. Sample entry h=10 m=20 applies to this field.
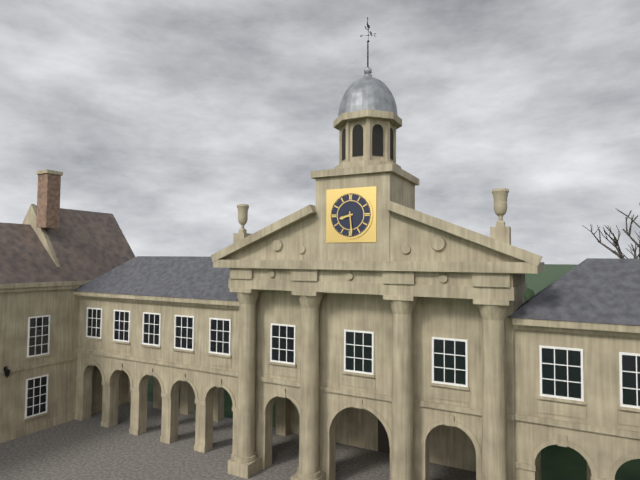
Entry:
h=8 m=29
